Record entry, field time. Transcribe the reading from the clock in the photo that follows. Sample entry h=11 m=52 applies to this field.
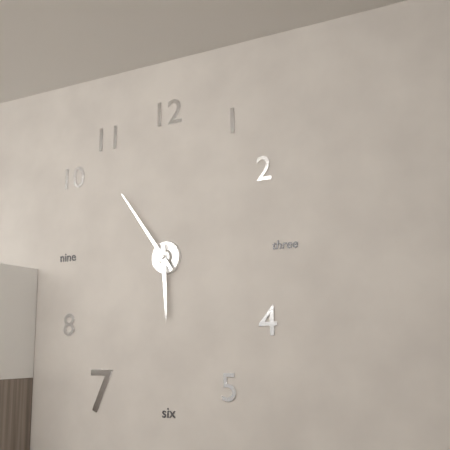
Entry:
h=5 m=54
